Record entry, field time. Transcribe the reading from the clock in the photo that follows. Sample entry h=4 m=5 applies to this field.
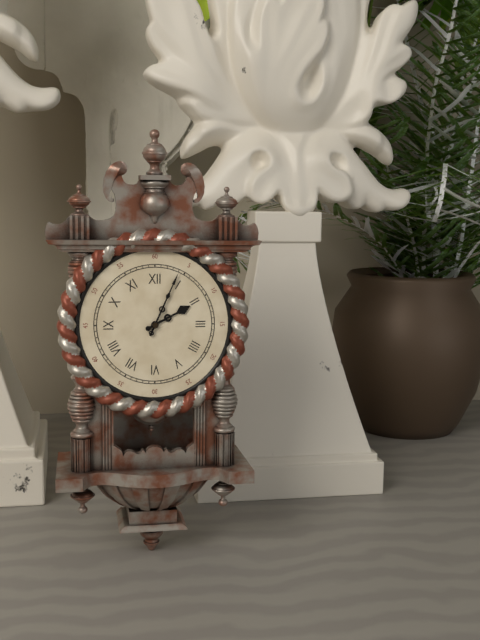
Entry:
h=2 m=4
